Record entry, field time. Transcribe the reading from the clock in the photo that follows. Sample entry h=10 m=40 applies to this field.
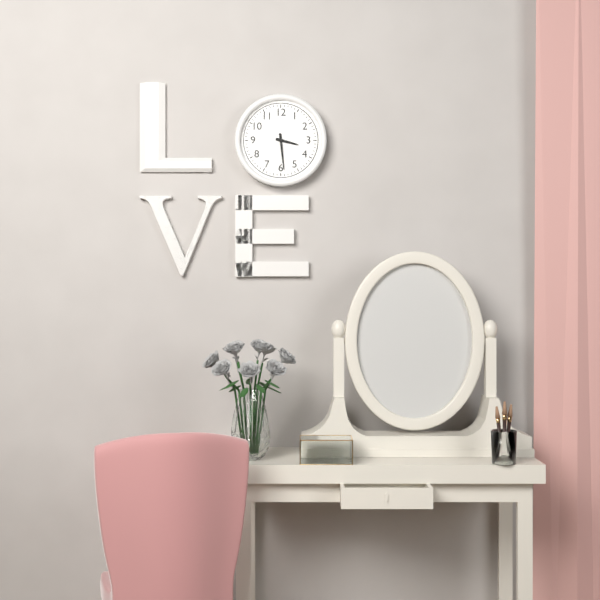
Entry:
h=3 m=29
